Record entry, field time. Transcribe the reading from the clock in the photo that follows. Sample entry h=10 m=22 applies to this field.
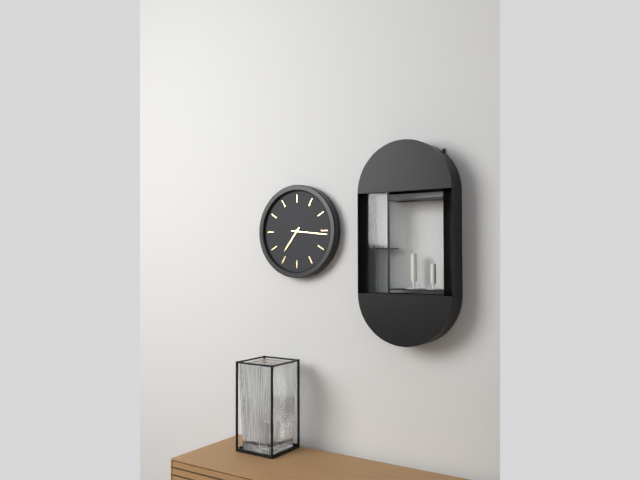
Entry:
h=7 m=16
